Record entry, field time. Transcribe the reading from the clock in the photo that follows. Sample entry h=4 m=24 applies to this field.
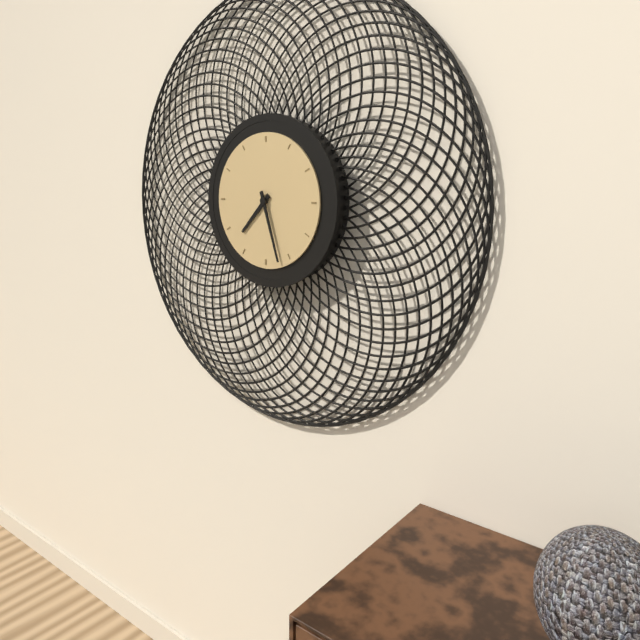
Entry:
h=7 m=27
